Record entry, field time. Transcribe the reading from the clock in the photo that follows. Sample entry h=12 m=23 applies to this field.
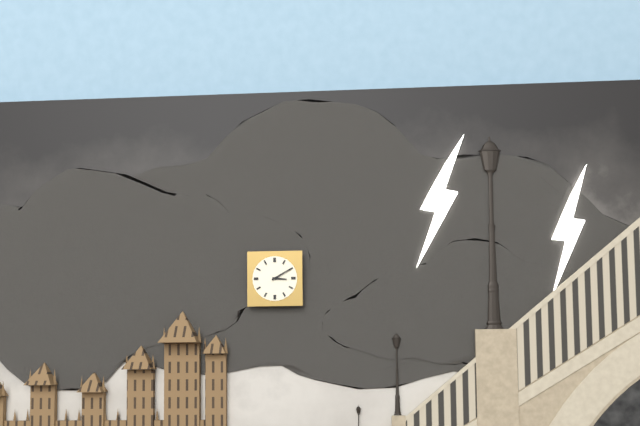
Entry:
h=3 m=10
